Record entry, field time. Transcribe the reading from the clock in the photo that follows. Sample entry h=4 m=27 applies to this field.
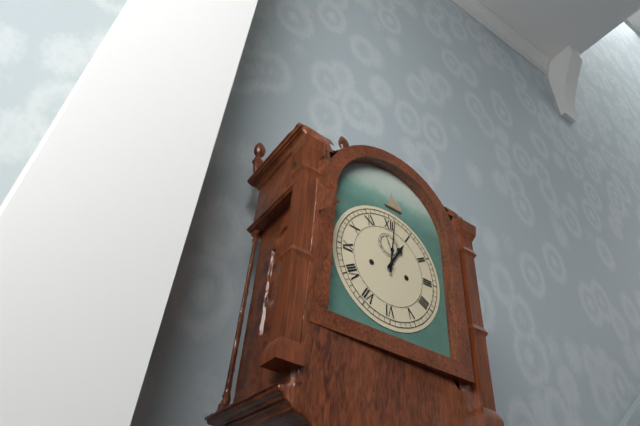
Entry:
h=1 m=1
